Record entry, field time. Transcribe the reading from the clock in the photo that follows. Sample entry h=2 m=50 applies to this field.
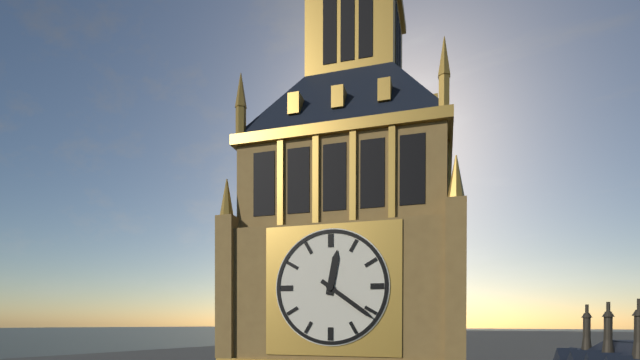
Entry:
h=12 m=21
